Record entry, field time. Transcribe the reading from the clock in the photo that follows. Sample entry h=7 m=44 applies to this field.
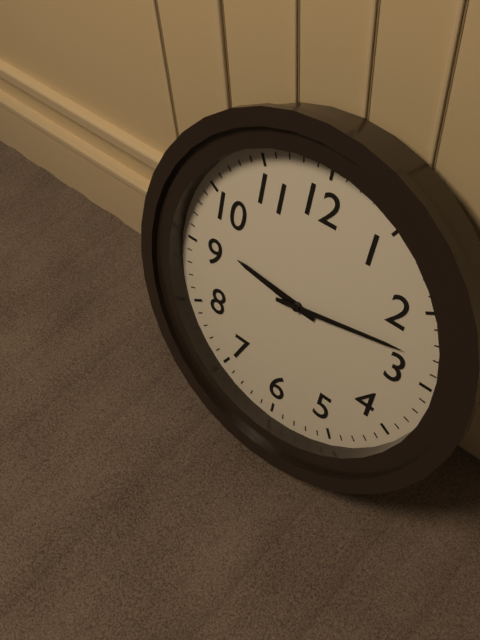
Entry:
h=9 m=13
